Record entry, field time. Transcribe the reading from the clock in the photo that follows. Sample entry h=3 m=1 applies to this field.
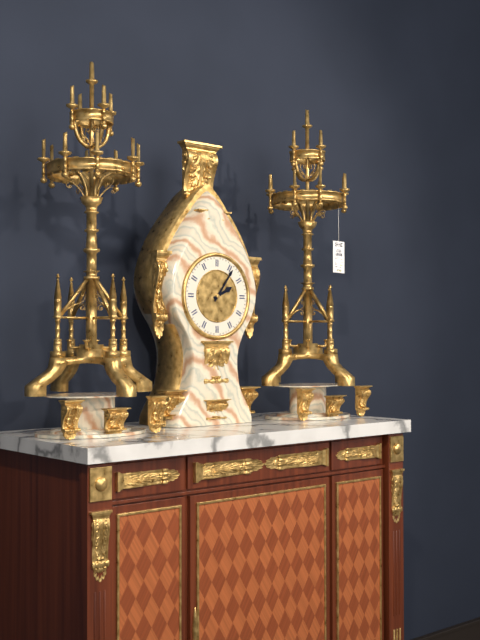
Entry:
h=2 m=6
